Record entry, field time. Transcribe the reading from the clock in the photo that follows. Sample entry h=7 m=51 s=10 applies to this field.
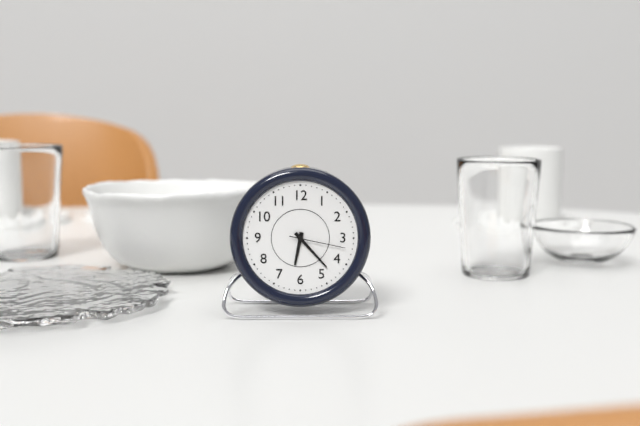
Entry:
h=6 m=23 s=17
